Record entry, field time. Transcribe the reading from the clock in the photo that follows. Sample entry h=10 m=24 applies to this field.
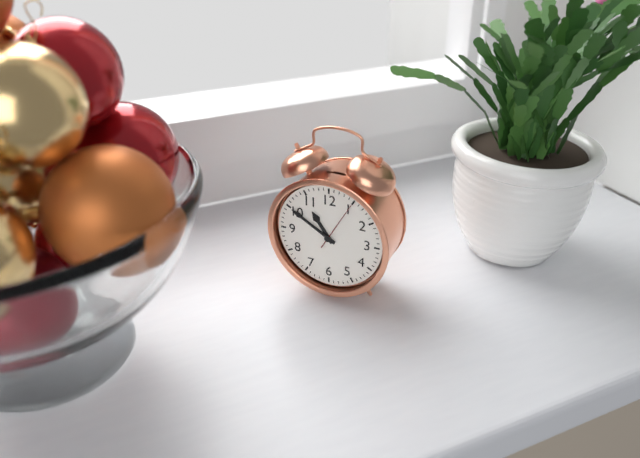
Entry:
h=10 m=50
